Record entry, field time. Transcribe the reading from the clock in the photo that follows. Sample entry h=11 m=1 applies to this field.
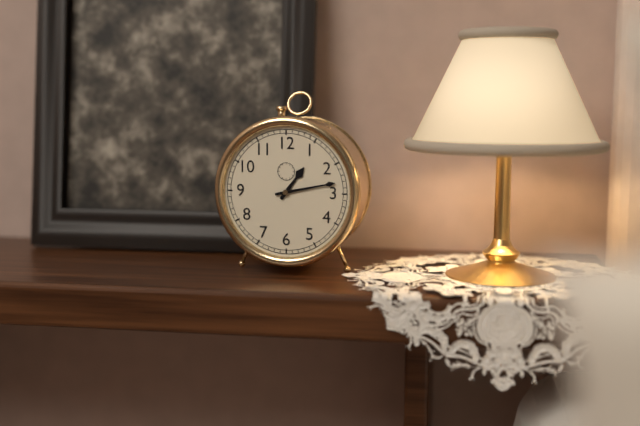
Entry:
h=1 m=13
